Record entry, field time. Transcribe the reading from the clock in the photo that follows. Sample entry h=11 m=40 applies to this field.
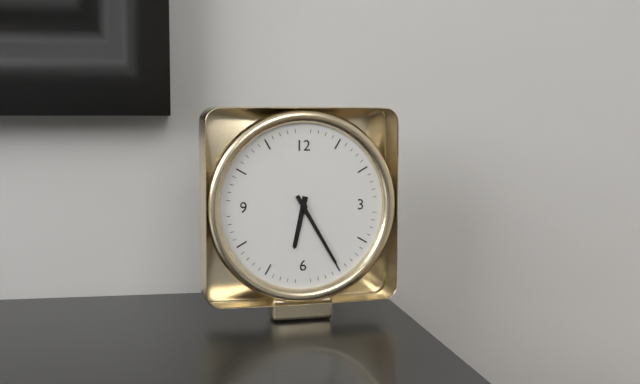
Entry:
h=6 m=25
